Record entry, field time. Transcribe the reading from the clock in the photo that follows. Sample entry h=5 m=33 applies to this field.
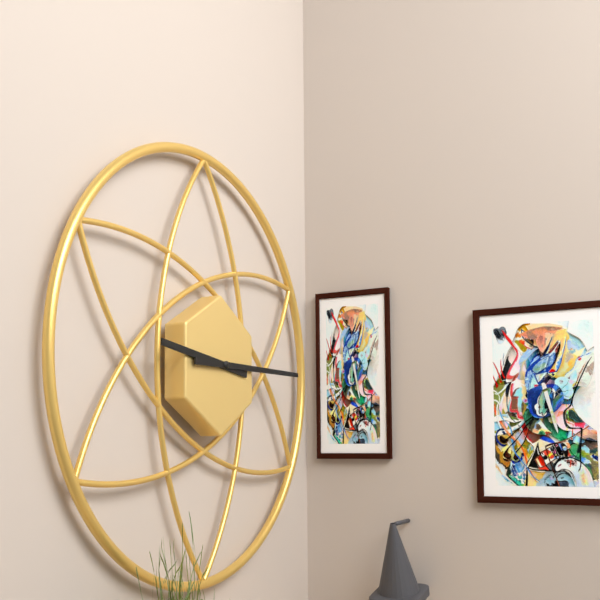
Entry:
h=9 m=15
